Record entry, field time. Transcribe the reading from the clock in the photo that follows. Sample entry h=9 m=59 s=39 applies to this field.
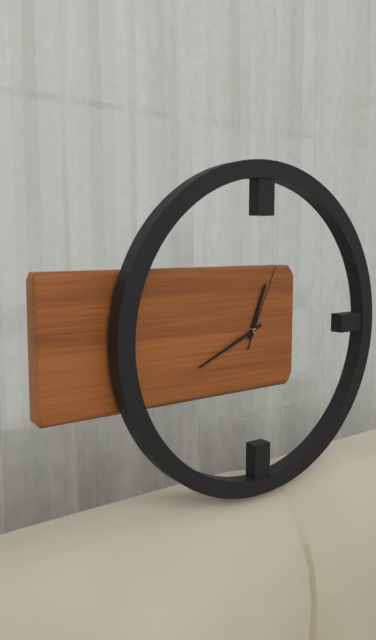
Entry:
h=12 m=41 s=4
